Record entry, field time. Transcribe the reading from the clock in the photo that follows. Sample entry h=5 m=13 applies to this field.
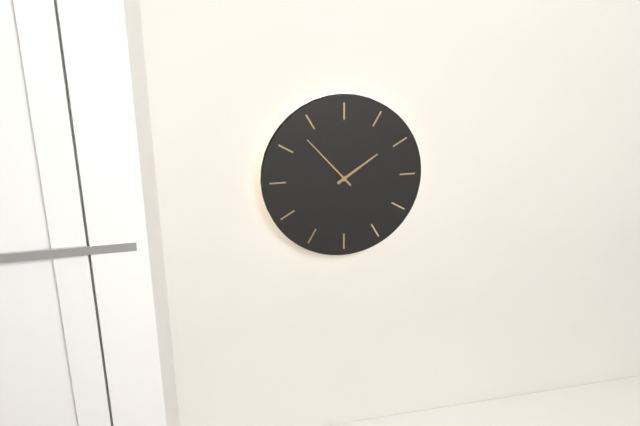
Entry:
h=1 m=53
